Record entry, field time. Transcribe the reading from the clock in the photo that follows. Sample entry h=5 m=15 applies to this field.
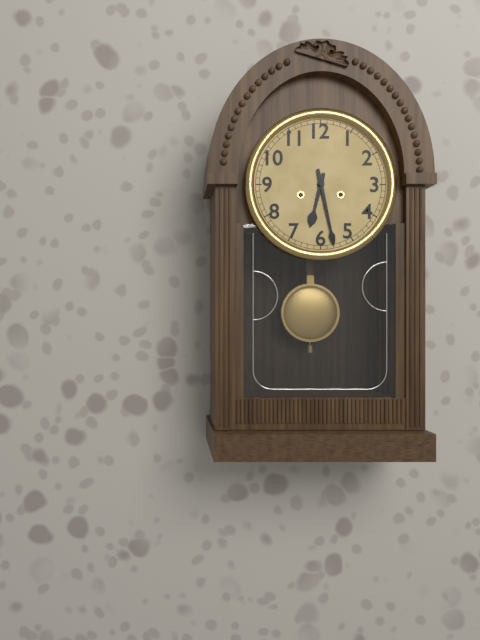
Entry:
h=6 m=28
